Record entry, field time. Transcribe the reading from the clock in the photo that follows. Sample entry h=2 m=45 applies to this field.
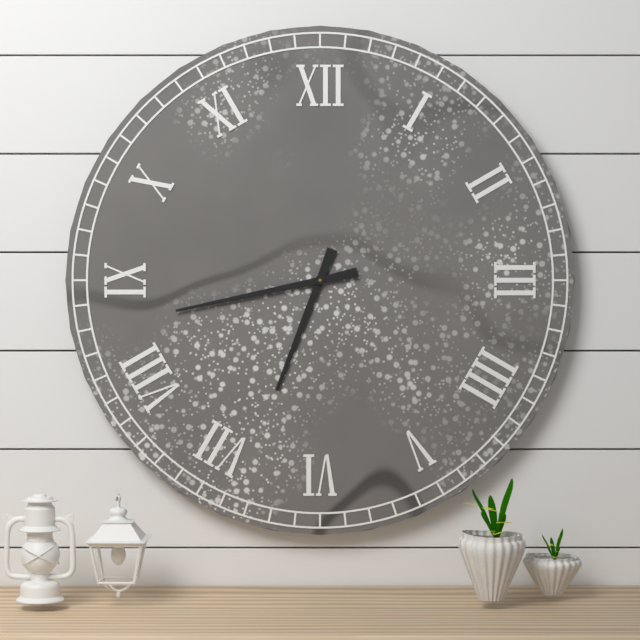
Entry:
h=6 m=43
